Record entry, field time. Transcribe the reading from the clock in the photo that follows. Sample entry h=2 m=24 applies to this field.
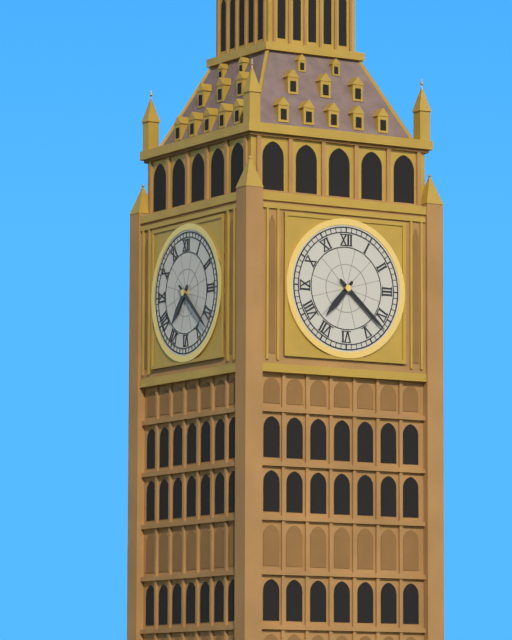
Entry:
h=7 m=22
